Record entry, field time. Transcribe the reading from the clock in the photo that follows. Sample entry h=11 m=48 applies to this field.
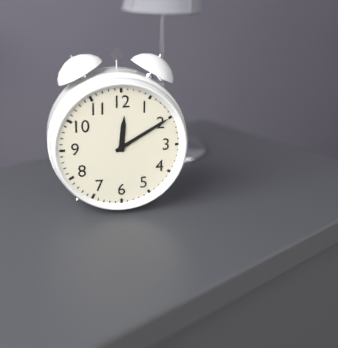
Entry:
h=12 m=10
